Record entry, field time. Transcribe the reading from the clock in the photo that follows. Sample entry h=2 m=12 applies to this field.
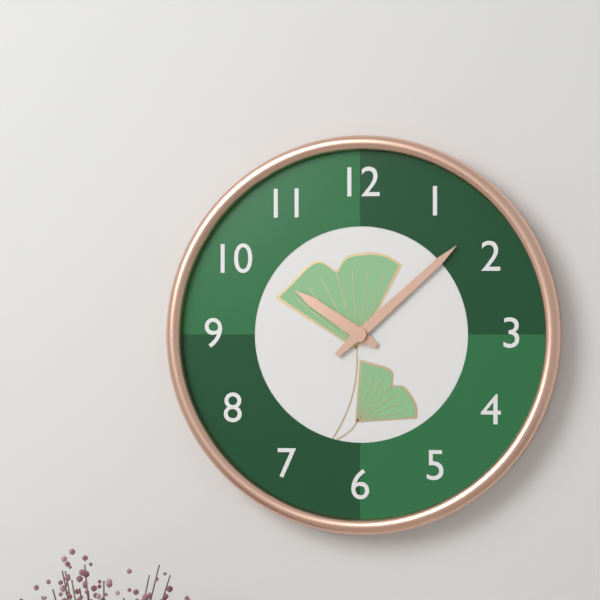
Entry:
h=10 m=8
